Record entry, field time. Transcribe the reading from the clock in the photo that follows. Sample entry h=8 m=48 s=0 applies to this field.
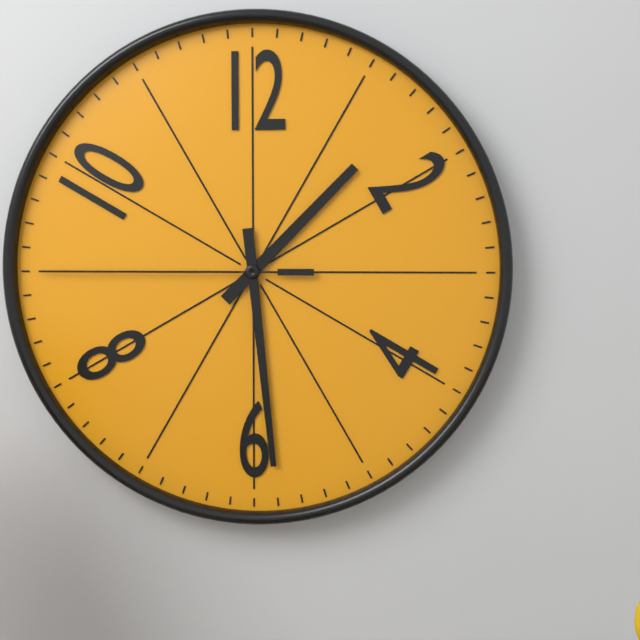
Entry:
h=1 m=29 s=45
